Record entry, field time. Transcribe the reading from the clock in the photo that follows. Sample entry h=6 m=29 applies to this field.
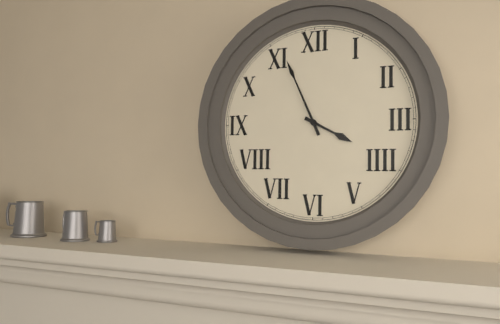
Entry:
h=3 m=56
